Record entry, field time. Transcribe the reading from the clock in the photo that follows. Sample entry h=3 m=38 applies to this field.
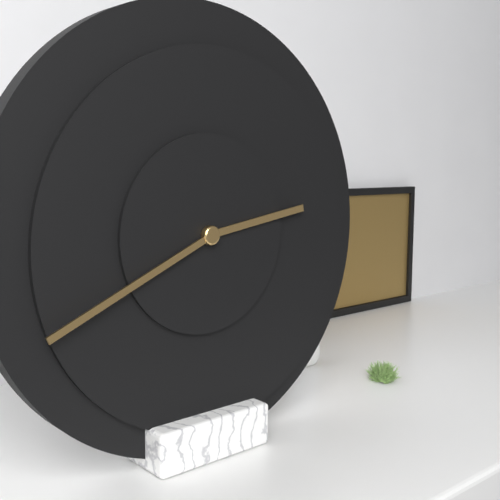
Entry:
h=2 m=41
